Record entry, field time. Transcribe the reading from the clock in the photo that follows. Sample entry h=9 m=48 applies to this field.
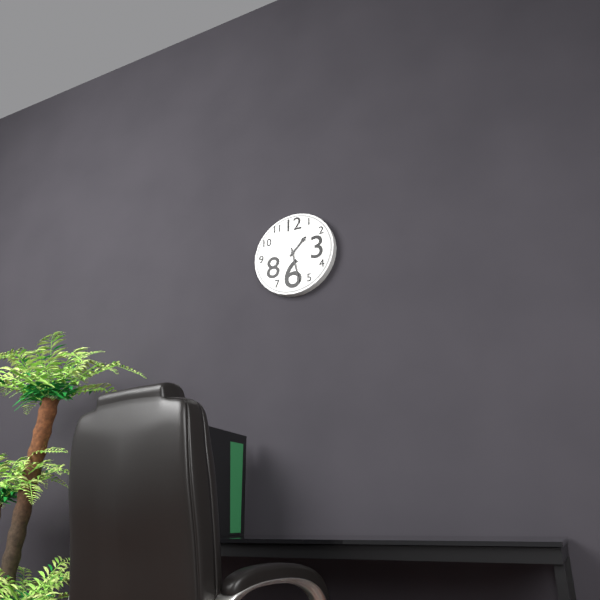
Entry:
h=1 m=28
